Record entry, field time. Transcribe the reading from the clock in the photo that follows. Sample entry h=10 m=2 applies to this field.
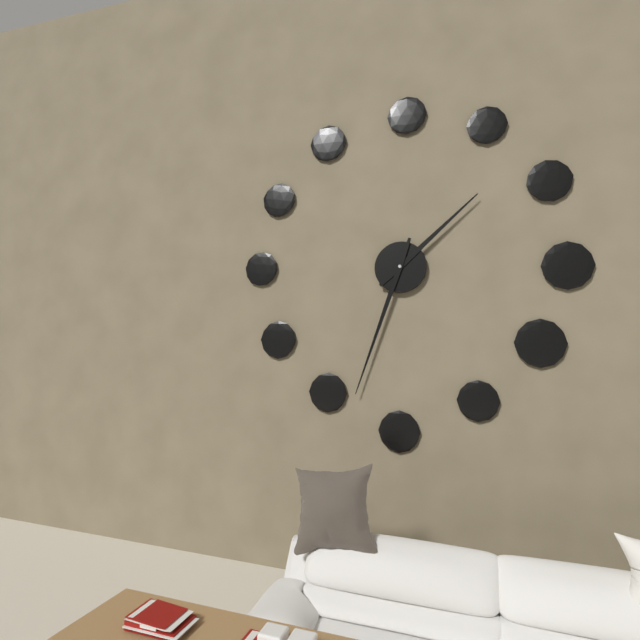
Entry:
h=1 m=33
